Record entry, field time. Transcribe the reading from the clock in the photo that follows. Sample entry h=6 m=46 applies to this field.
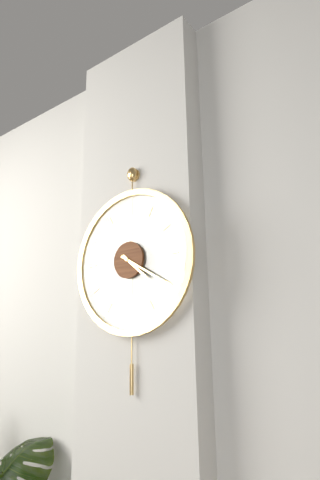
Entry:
h=4 m=20
